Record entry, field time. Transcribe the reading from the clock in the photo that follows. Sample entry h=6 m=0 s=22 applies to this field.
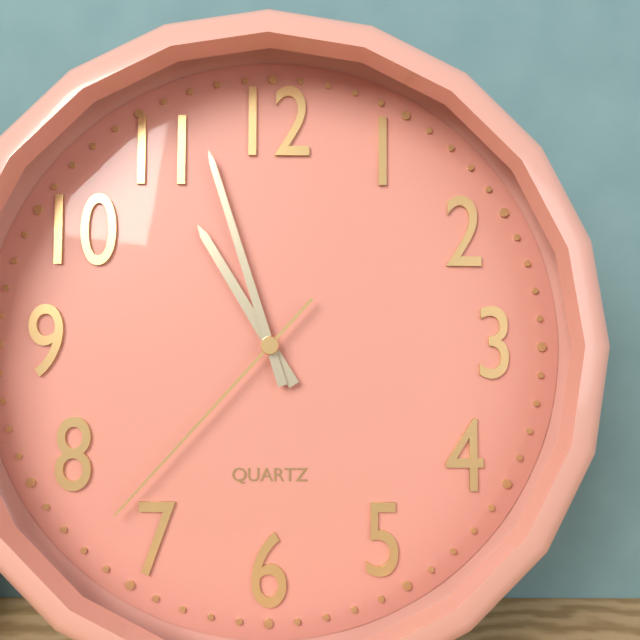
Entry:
h=10 m=57 s=37
